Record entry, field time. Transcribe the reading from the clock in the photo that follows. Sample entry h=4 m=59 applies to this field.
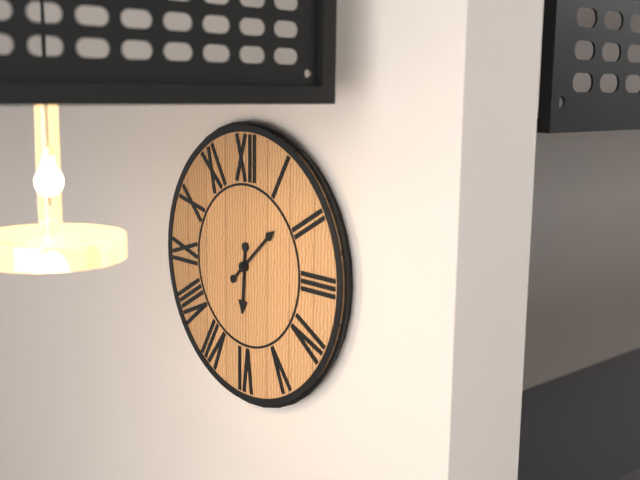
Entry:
h=6 m=8
